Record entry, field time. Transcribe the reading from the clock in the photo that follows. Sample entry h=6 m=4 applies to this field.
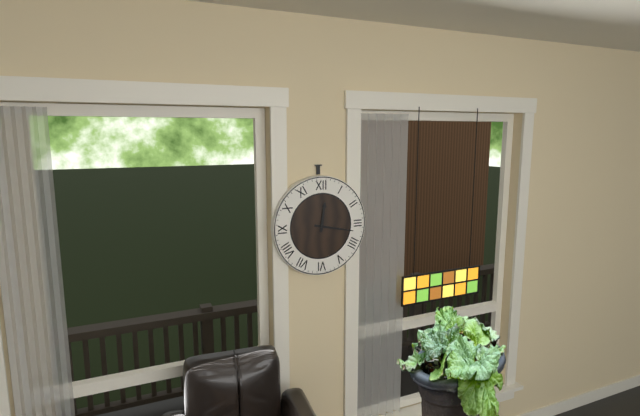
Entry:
h=12 m=17
